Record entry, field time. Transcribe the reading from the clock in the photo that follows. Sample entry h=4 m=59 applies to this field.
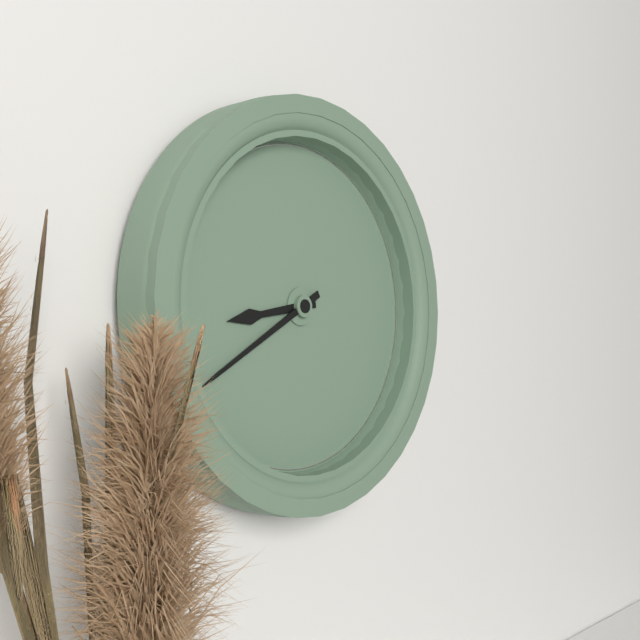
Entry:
h=8 m=40
